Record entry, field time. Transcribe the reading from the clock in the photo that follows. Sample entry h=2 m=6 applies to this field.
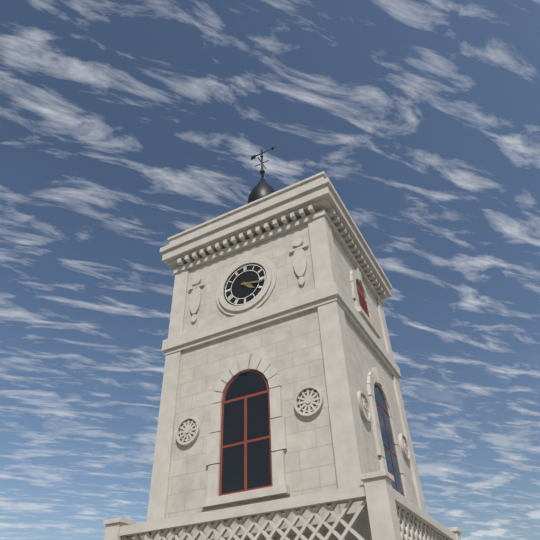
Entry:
h=4 m=17
